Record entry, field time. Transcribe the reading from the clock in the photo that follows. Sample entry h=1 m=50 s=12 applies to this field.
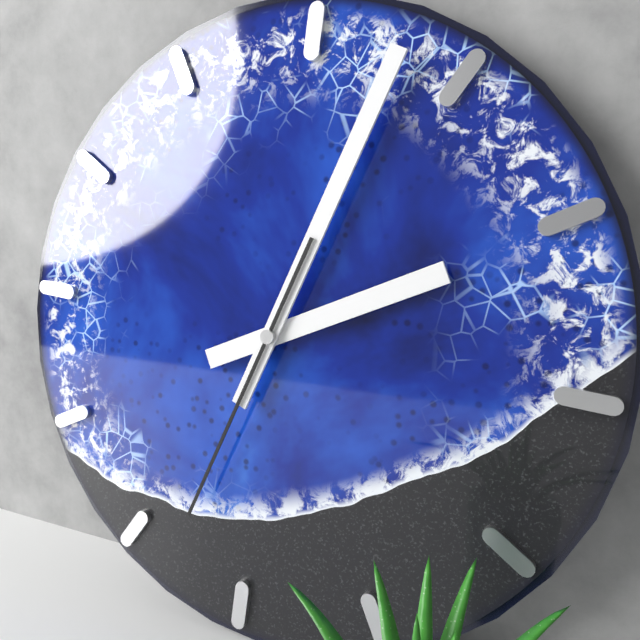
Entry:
h=2 m=3 s=33
